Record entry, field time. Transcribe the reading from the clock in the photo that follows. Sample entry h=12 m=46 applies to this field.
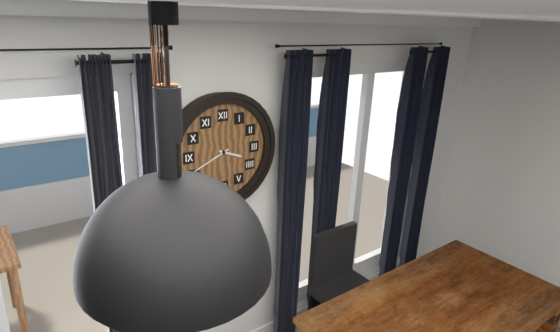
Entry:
h=3 m=41
